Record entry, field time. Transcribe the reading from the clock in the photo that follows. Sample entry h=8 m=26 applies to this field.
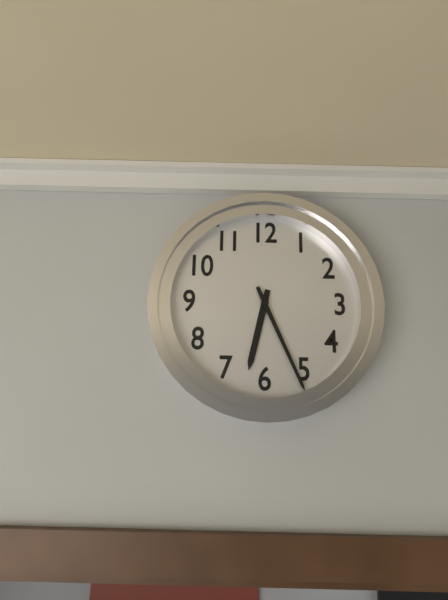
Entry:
h=6 m=26
